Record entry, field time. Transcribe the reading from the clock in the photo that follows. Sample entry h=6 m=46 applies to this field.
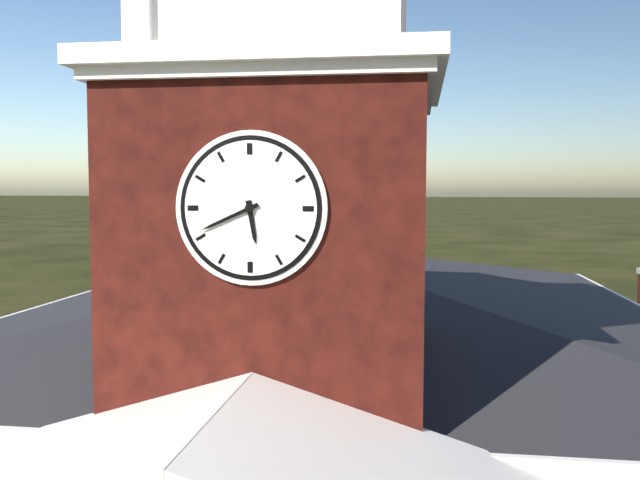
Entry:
h=5 m=41
